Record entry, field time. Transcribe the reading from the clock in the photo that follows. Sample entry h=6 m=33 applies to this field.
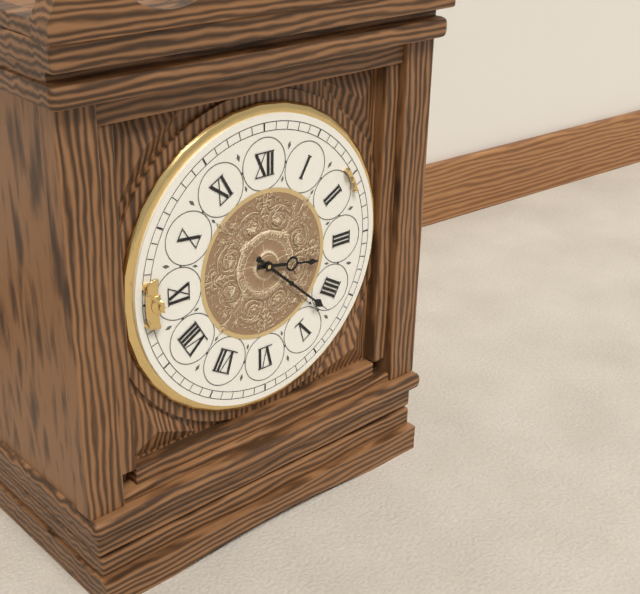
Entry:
h=3 m=22
